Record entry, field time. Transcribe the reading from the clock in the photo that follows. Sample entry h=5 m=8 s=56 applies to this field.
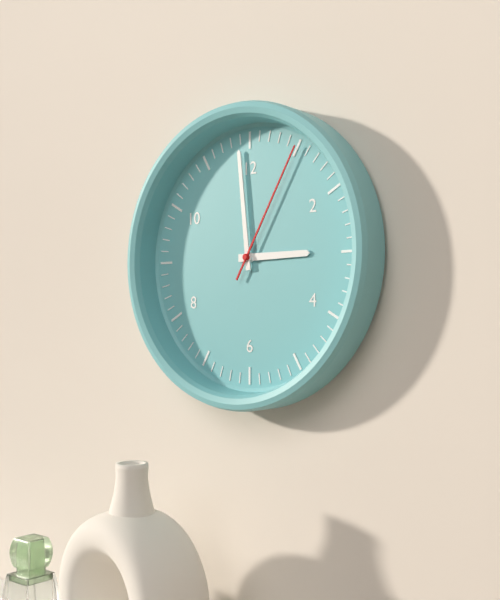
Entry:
h=2 m=59 s=5
